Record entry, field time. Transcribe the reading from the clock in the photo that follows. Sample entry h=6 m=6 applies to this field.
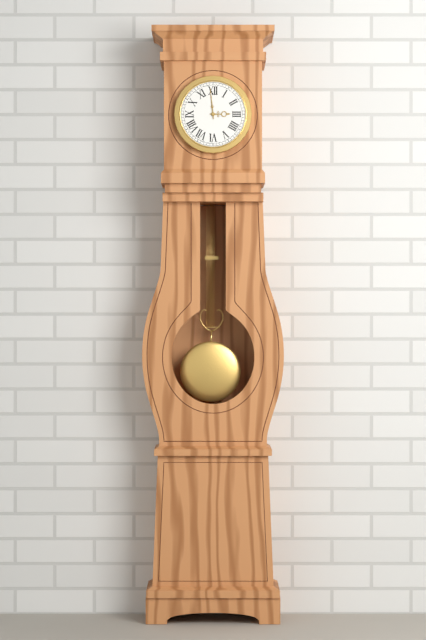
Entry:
h=2 m=59
